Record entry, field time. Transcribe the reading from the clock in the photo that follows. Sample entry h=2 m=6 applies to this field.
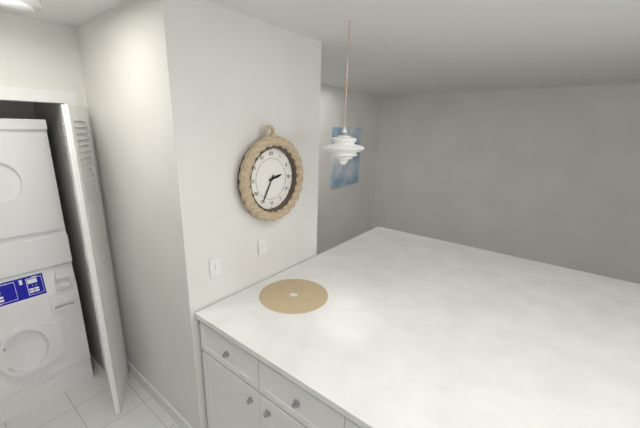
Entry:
h=2 m=35
